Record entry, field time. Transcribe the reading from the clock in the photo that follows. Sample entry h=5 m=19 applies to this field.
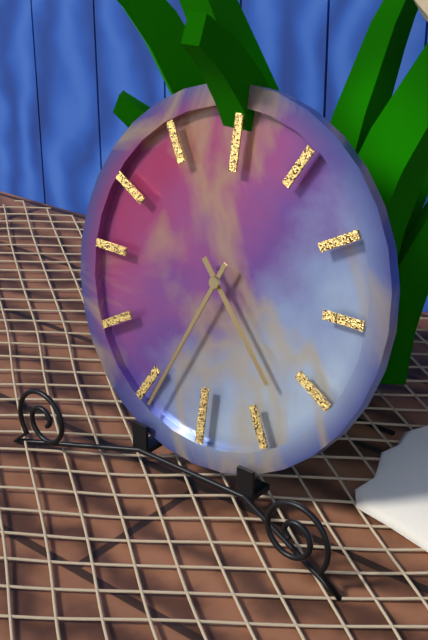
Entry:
h=4 m=34
